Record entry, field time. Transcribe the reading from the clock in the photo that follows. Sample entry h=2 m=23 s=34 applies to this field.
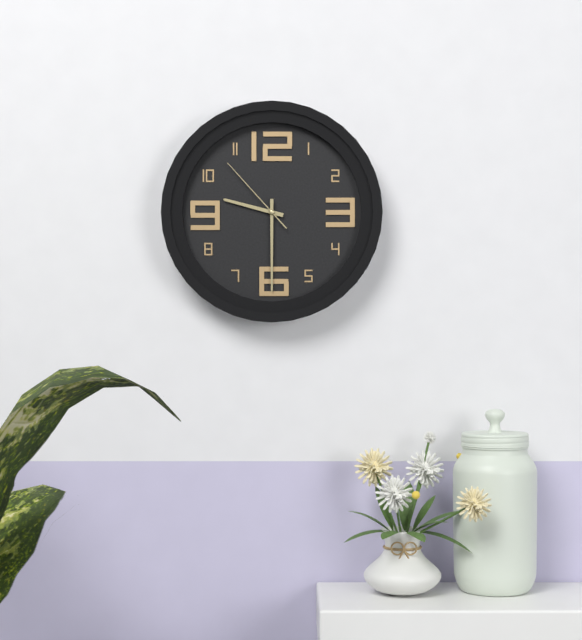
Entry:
h=9 m=30 s=53
